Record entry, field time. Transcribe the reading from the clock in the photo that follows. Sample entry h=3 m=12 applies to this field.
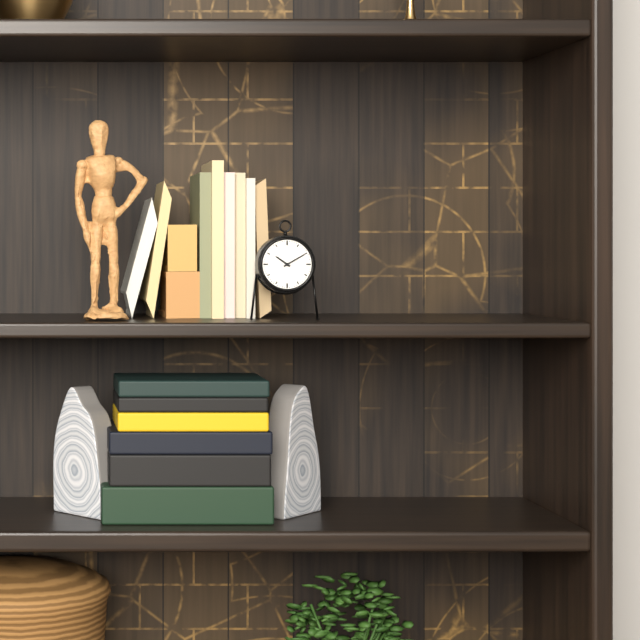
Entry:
h=10 m=10
